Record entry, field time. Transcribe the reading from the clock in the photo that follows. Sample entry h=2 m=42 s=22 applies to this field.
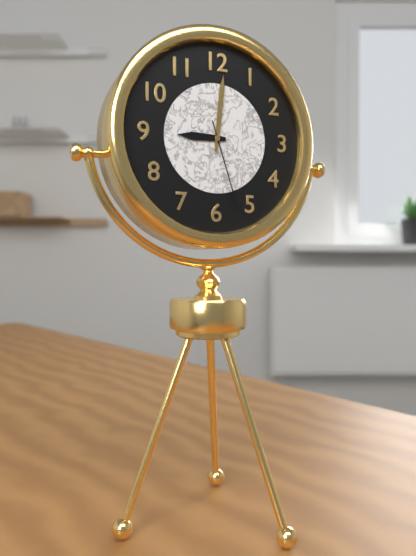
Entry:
h=9 m=1 s=27
